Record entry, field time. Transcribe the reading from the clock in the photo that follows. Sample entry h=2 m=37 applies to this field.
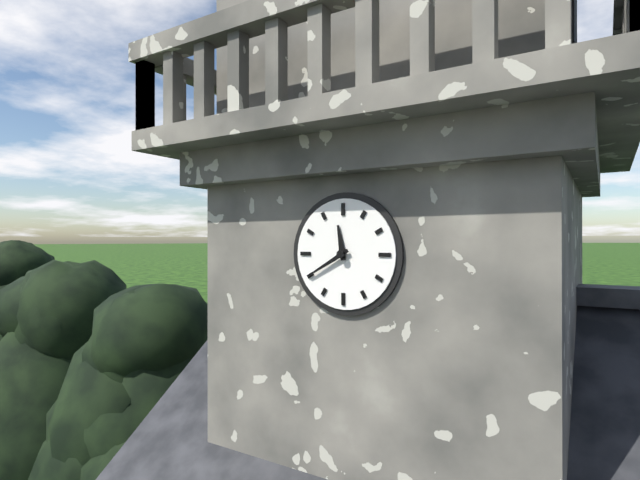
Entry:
h=11 m=40
